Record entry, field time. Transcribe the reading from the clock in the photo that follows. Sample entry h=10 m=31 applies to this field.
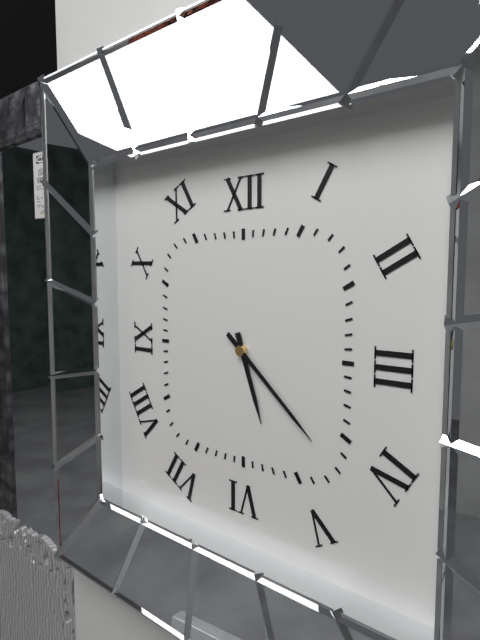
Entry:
h=5 m=22
